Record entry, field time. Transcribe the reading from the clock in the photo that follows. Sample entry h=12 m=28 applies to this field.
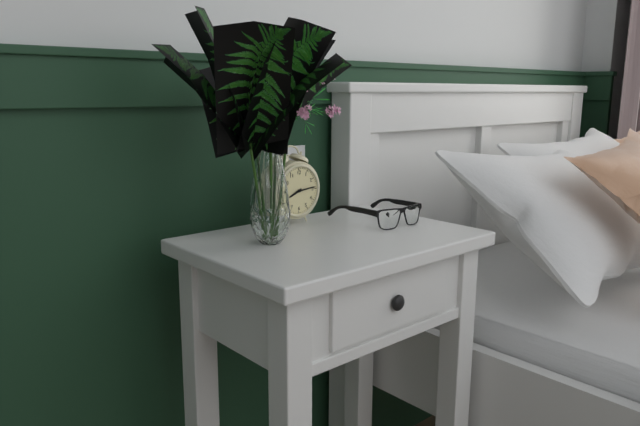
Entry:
h=8 m=14
